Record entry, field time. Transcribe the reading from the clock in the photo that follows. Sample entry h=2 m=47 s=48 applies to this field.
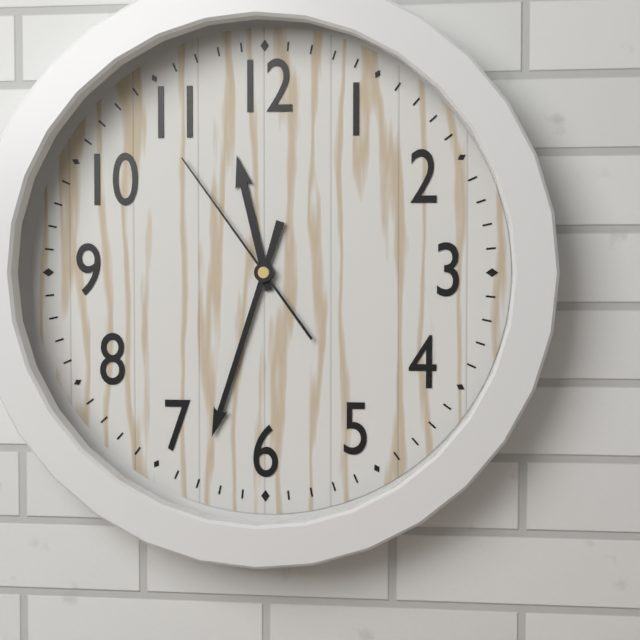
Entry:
h=11 m=33 s=54
